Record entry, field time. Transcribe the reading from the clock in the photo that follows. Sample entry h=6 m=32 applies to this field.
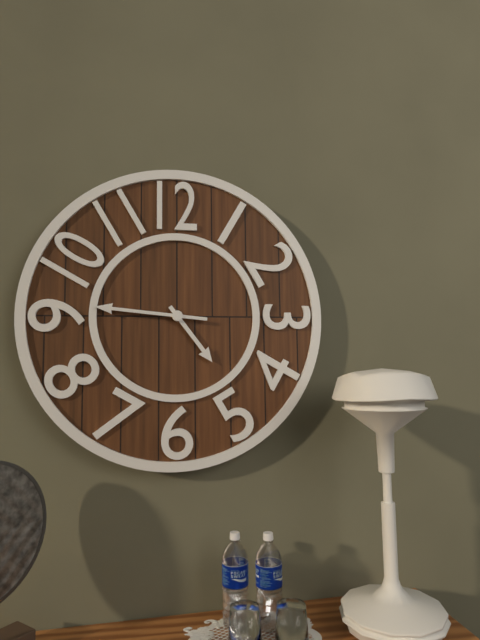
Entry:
h=4 m=46
